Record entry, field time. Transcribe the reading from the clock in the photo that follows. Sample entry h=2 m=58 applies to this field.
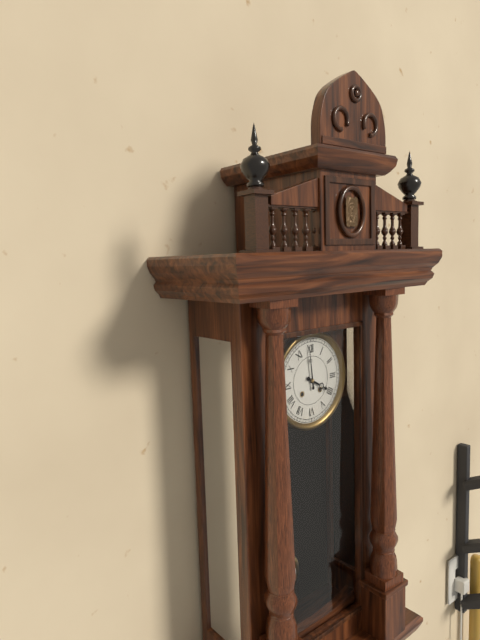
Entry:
h=3 m=59
